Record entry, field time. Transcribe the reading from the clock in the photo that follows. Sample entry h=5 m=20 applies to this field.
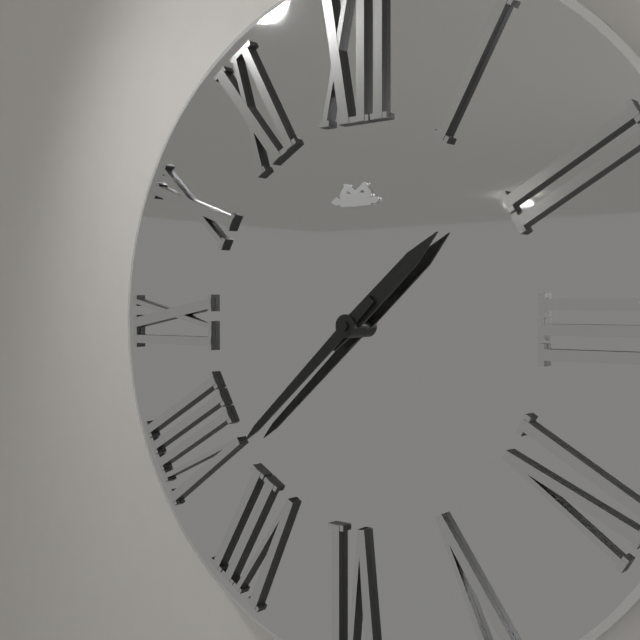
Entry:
h=1 m=38
